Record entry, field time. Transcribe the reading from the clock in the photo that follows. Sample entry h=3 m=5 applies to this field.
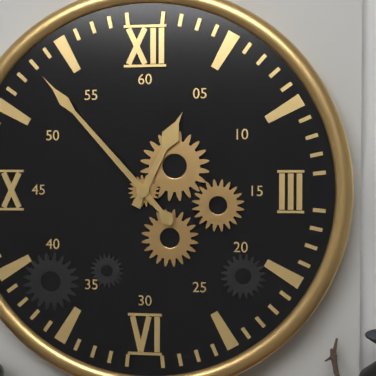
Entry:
h=12 m=53
